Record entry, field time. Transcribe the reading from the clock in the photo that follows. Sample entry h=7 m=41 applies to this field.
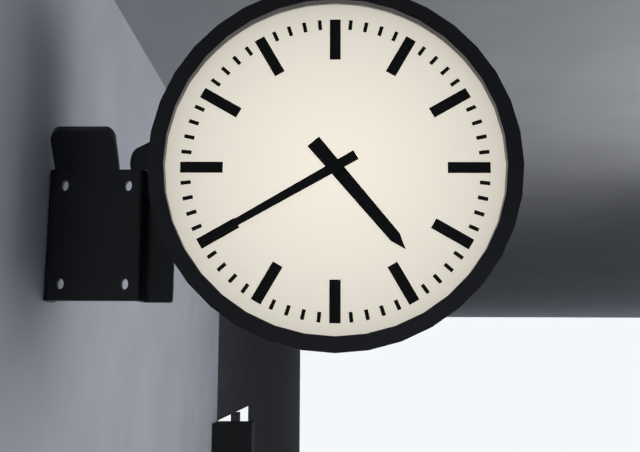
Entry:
h=4 m=40
